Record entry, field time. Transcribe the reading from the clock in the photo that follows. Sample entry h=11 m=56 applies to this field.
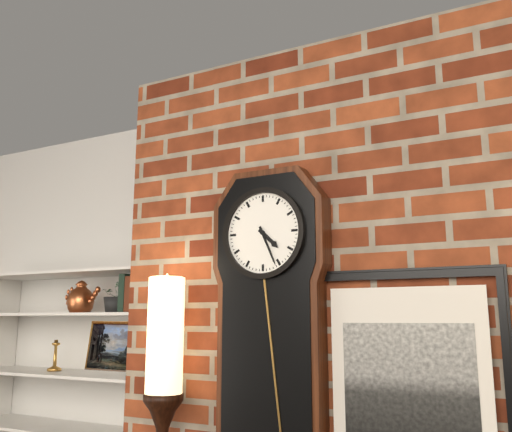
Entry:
h=4 m=26
